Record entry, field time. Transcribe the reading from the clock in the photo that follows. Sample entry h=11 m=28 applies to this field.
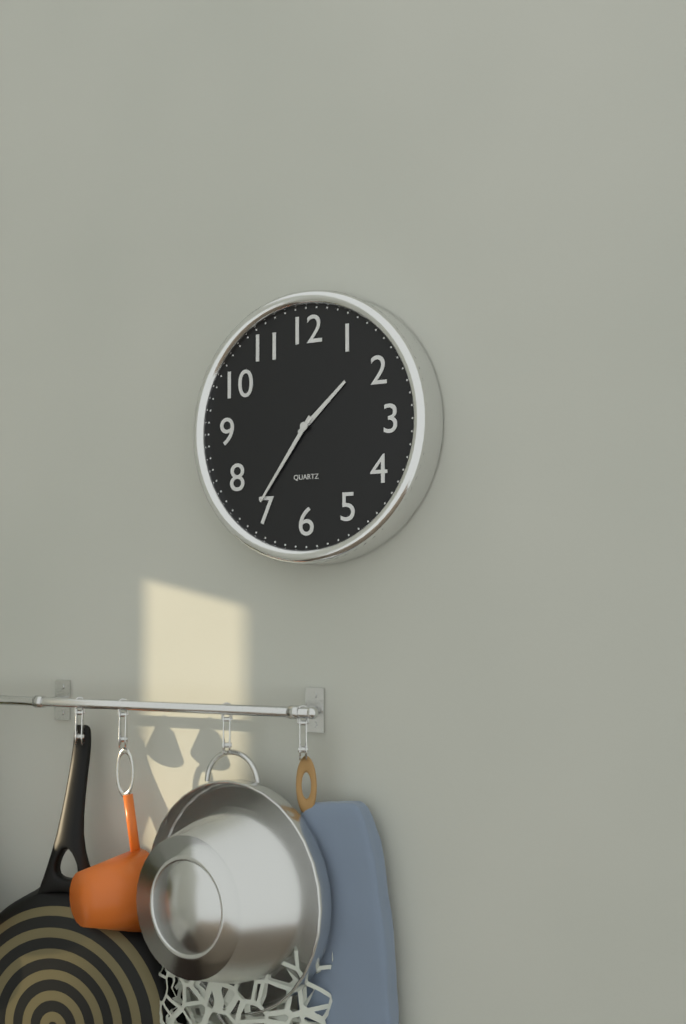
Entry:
h=1 m=36
